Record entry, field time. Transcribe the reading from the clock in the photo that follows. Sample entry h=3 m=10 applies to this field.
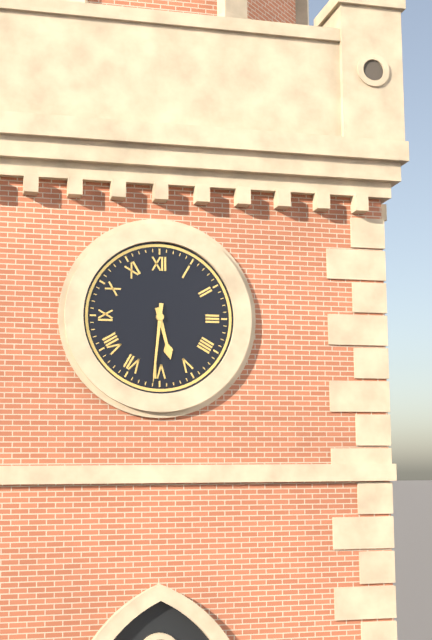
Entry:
h=5 m=31
